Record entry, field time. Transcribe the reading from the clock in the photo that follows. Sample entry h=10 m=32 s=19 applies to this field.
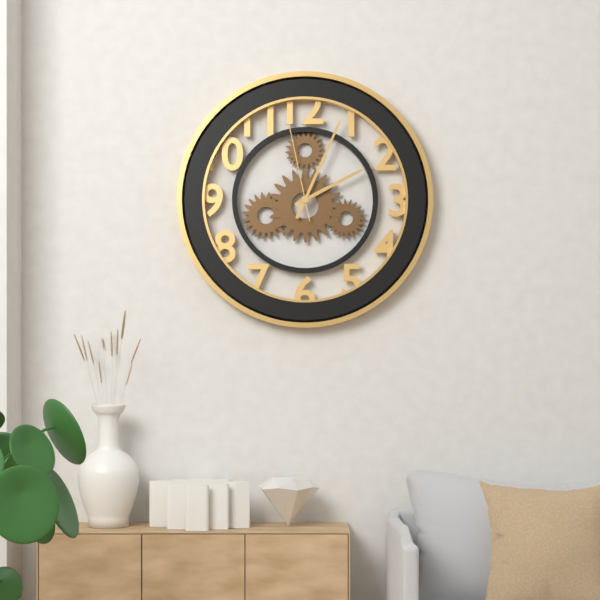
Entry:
h=2 m=4 s=58
